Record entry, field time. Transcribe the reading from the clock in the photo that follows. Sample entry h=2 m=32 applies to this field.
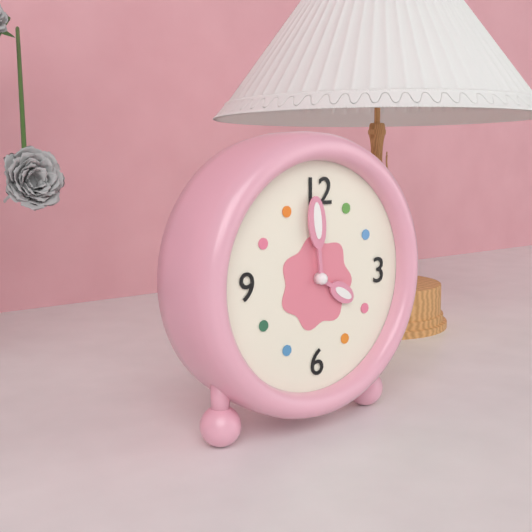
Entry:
h=3 m=59
